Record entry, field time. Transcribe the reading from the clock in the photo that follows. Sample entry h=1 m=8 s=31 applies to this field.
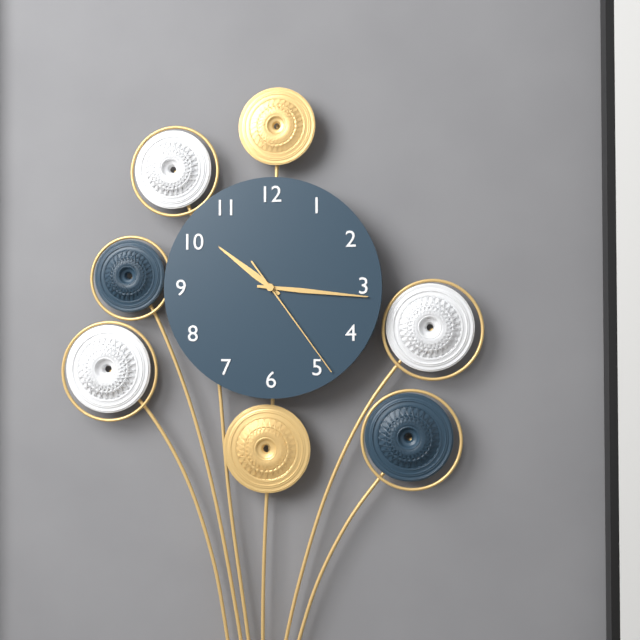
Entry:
h=10 m=16 s=24
